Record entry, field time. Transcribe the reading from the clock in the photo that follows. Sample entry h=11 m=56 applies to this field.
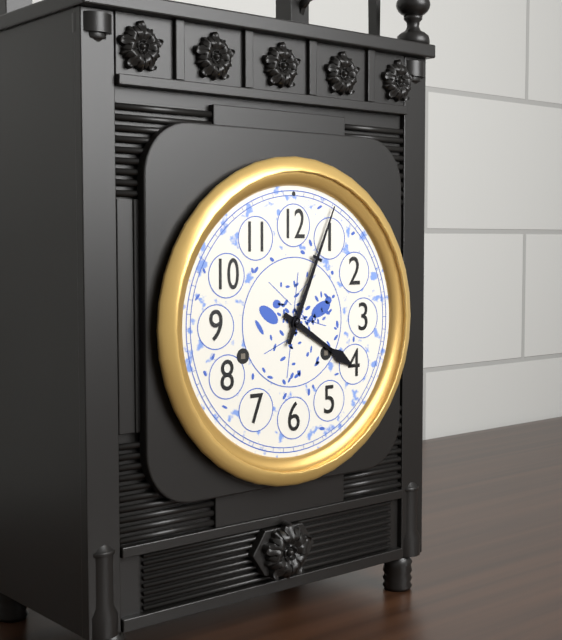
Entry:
h=4 m=4
